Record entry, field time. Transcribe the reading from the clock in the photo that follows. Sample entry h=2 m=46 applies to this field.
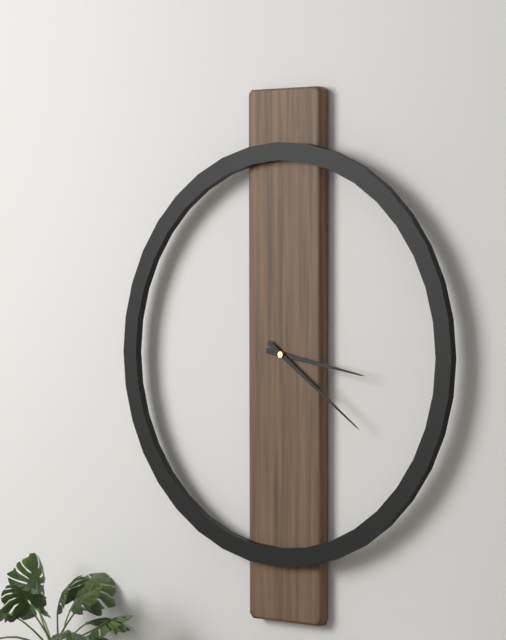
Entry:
h=3 m=21
